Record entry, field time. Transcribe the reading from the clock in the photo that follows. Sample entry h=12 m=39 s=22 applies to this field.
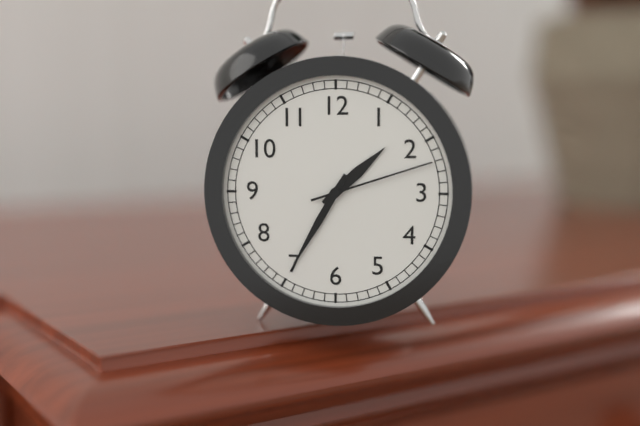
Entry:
h=1 m=35 s=12
